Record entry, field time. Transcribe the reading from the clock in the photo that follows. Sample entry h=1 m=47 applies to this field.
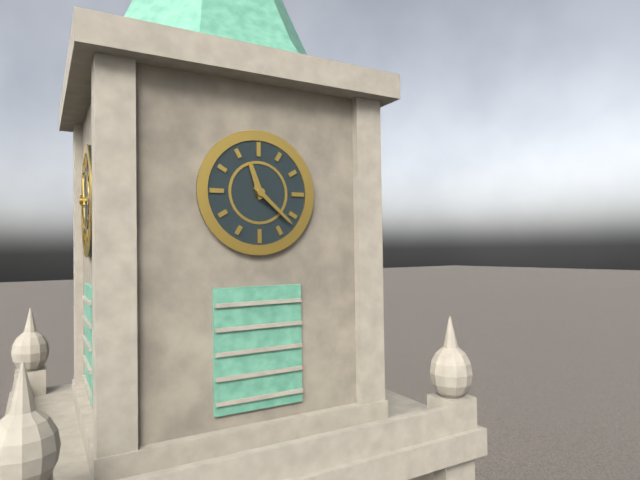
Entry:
h=11 m=22
